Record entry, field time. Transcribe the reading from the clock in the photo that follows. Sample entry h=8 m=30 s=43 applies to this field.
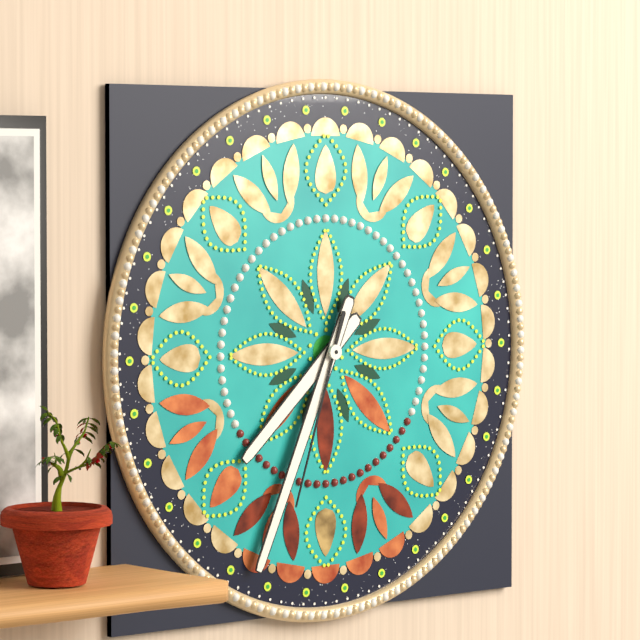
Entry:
h=7 m=34 s=33
